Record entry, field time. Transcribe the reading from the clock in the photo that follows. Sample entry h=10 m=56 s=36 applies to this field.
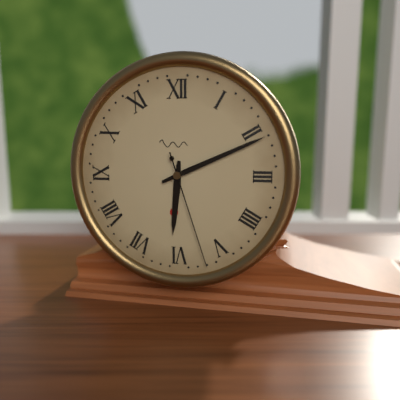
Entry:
h=6 m=11 s=27
